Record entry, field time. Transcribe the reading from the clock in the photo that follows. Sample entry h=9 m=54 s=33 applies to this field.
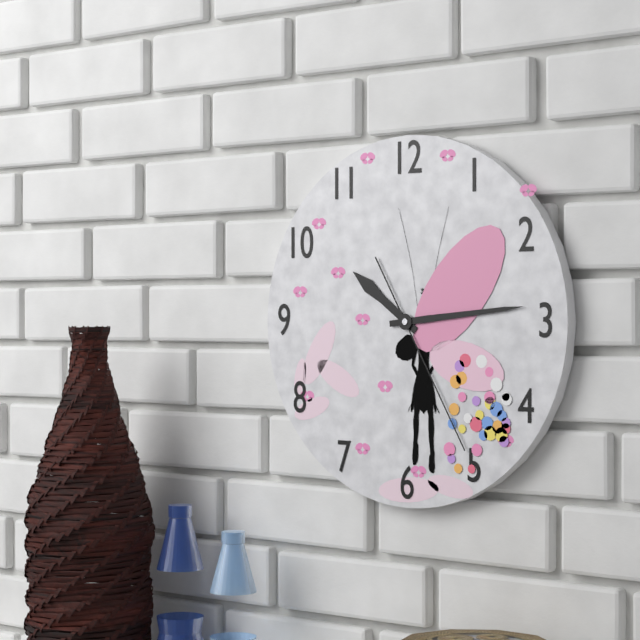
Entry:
h=10 m=14 s=25
